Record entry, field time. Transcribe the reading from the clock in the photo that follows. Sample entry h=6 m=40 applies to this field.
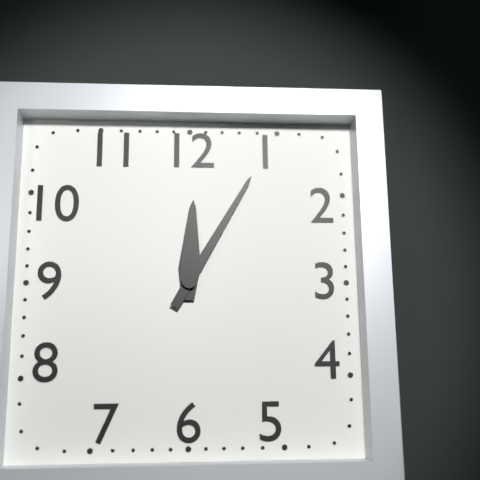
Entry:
h=12 m=5
